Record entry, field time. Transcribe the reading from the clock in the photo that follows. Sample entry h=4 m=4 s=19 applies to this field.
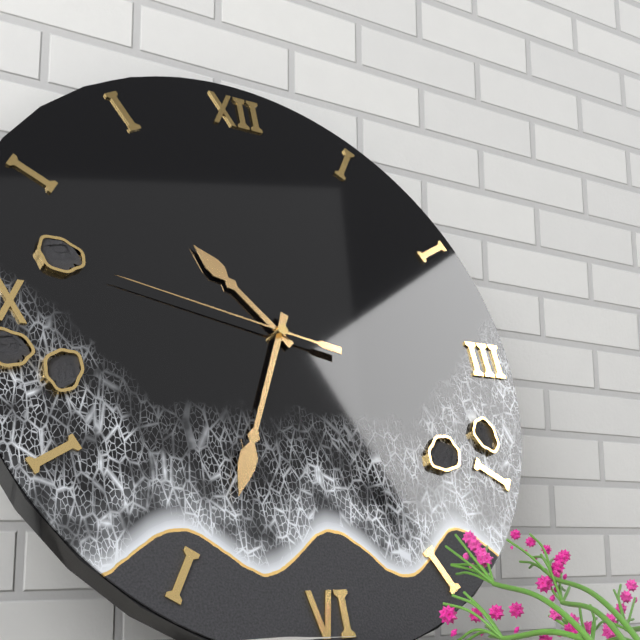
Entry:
h=10 m=34 s=47
